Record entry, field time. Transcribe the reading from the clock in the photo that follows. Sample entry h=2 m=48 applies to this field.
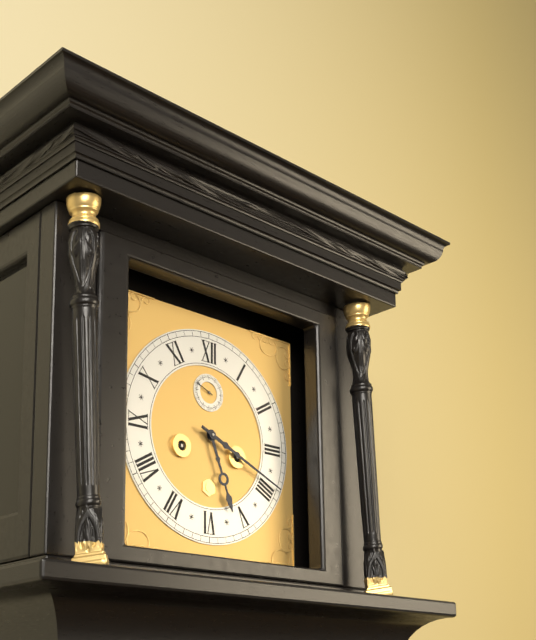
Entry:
h=5 m=19
